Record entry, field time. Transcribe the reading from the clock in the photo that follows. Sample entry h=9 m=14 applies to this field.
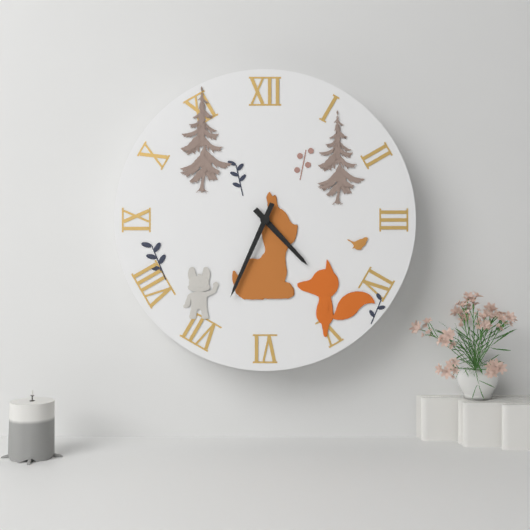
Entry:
h=4 m=34
